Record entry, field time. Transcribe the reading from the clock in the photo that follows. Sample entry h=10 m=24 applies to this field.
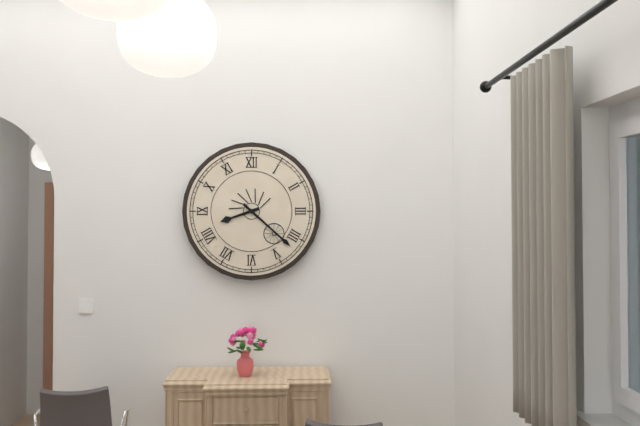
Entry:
h=8 m=22
